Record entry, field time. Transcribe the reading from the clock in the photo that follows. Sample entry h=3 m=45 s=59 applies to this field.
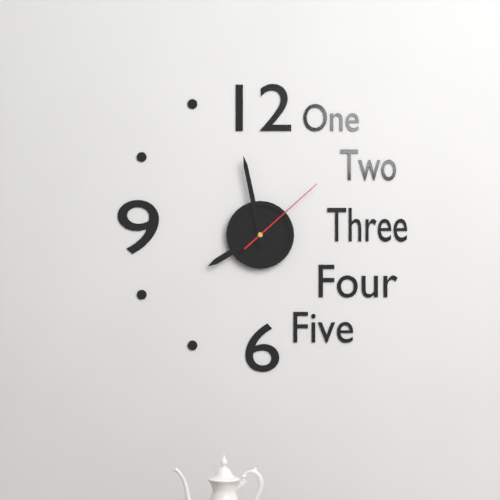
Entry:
h=7 m=58 s=8
